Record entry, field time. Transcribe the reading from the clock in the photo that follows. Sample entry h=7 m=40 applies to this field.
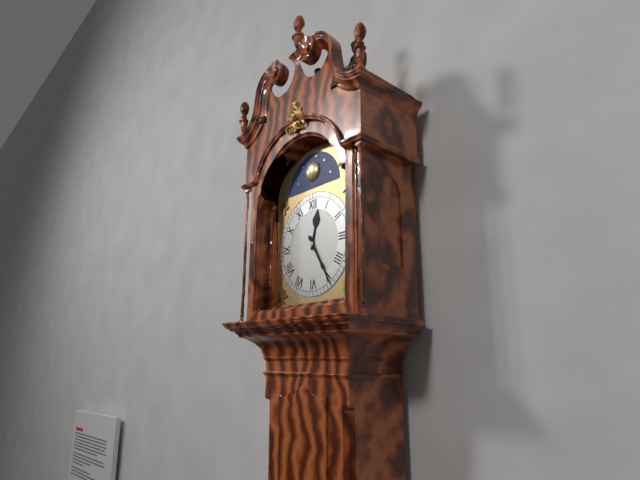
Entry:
h=12 m=25
